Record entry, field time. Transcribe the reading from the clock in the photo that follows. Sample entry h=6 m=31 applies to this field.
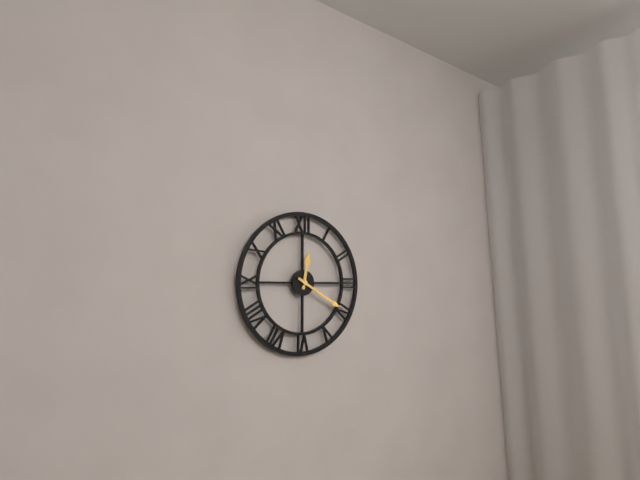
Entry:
h=12 m=20
